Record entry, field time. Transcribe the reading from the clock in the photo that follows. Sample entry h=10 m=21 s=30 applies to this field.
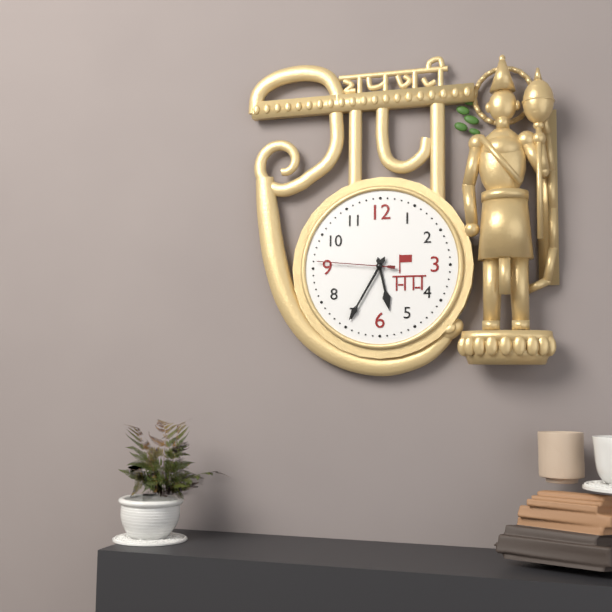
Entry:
h=5 m=35 s=46
